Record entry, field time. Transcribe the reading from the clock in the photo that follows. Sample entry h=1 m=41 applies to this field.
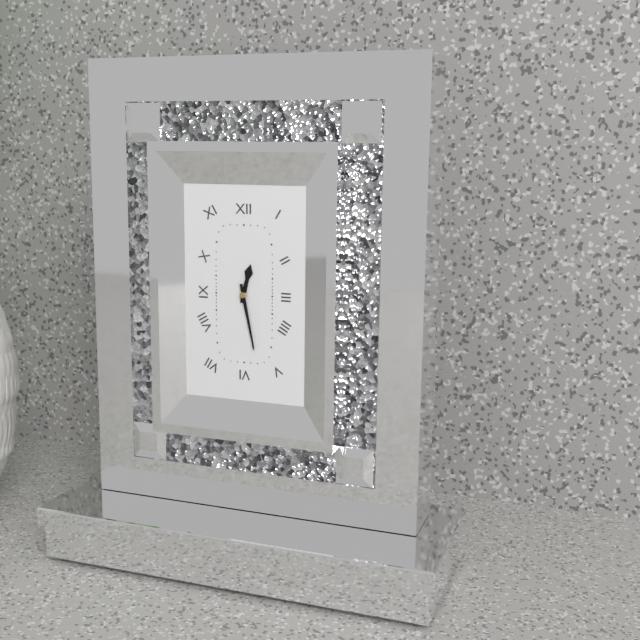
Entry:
h=12 m=28
